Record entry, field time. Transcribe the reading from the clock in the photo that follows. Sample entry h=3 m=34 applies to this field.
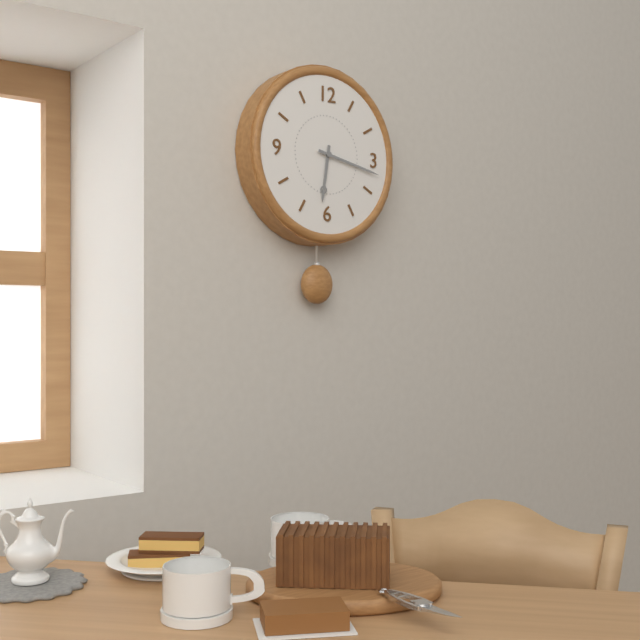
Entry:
h=6 m=17
